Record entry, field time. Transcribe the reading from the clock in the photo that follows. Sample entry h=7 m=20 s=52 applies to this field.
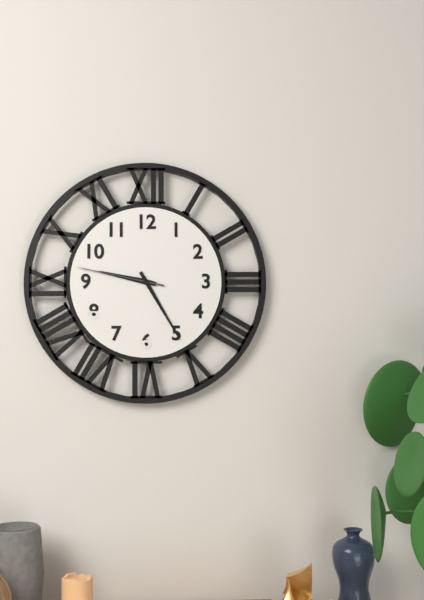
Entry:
h=9 m=25 s=47
